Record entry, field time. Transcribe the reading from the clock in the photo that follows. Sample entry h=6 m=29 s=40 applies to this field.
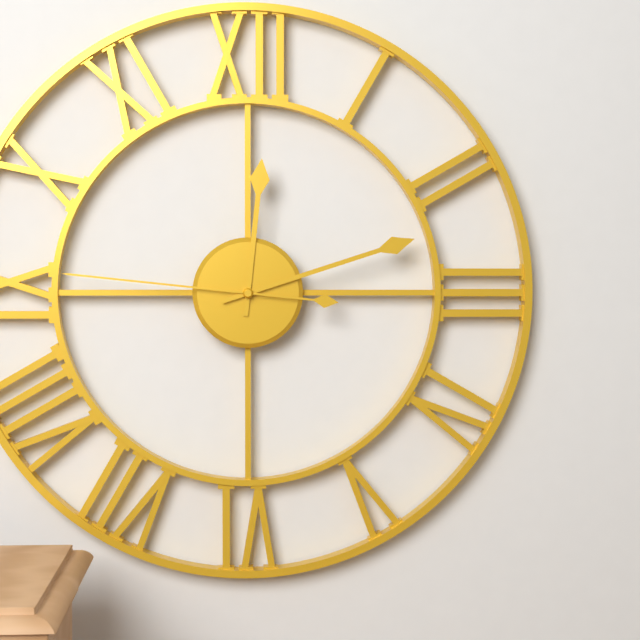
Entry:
h=12 m=12 s=46
